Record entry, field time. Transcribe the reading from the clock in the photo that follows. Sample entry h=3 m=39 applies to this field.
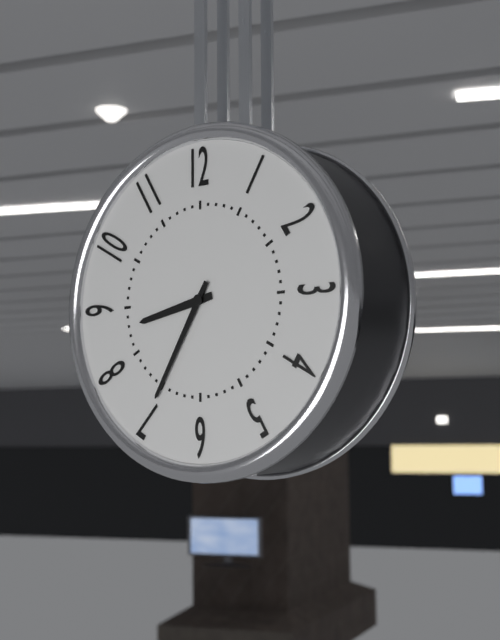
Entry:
h=8 m=35
